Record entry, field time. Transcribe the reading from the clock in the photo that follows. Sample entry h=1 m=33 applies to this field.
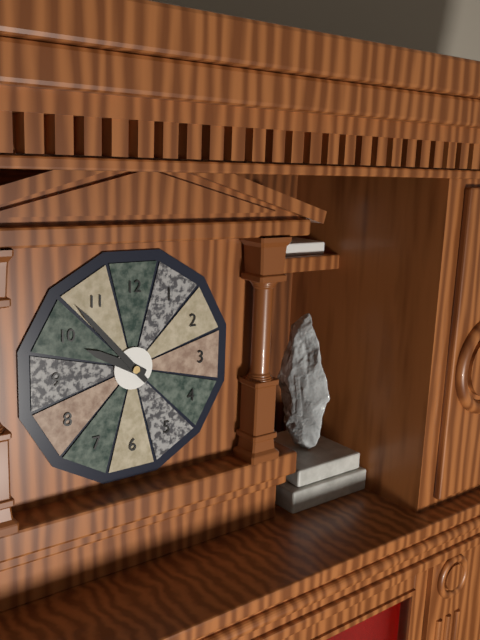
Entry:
h=9 m=53
